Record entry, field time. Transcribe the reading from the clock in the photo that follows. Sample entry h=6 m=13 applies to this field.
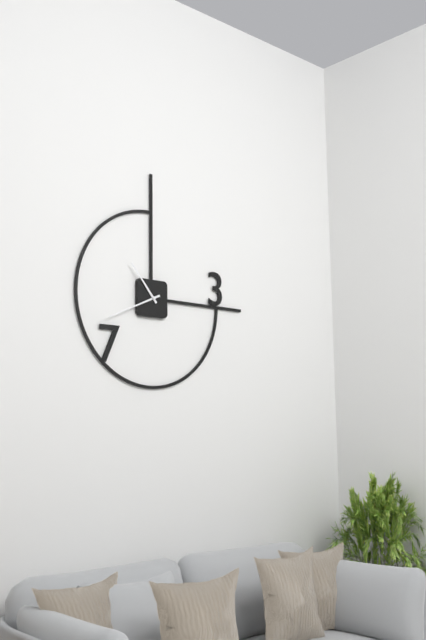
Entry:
h=10 m=41
